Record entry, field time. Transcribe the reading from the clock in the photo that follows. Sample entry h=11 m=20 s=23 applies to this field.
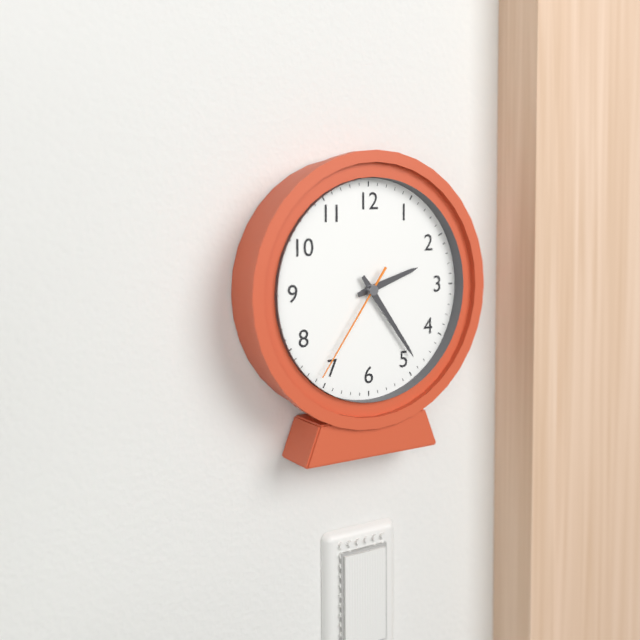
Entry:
h=2 m=24 s=36
